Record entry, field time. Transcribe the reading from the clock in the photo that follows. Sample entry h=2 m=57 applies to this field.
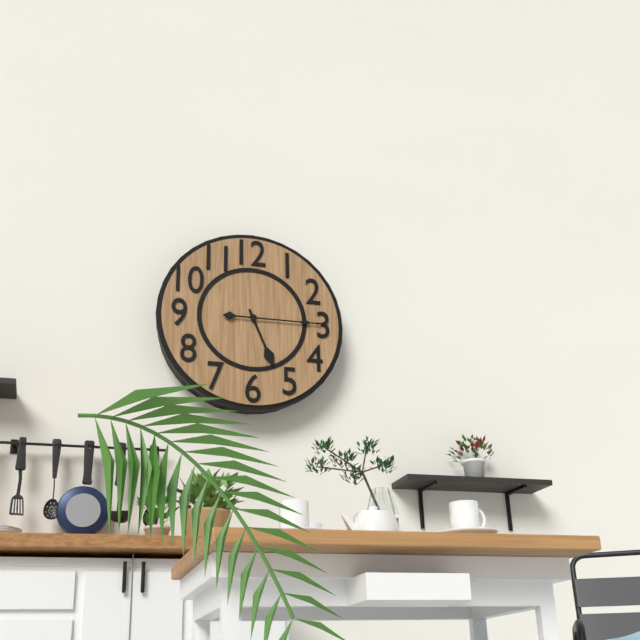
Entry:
h=5 m=15
